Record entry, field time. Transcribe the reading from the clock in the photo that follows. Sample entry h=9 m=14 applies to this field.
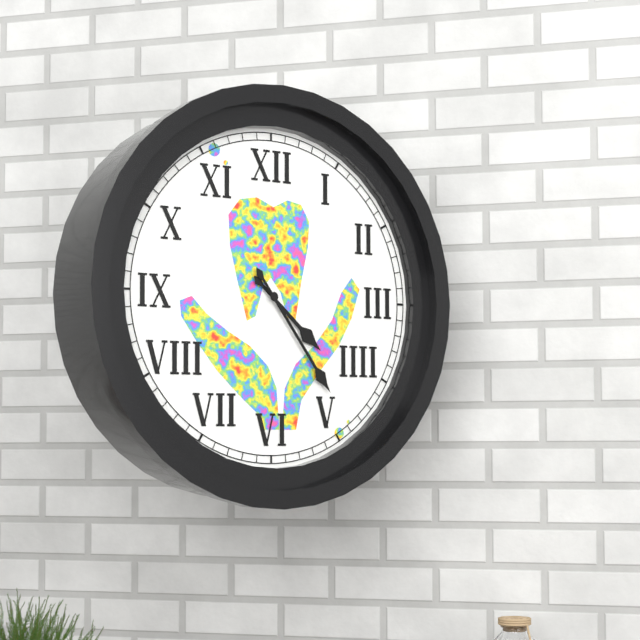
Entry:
h=4 m=24
